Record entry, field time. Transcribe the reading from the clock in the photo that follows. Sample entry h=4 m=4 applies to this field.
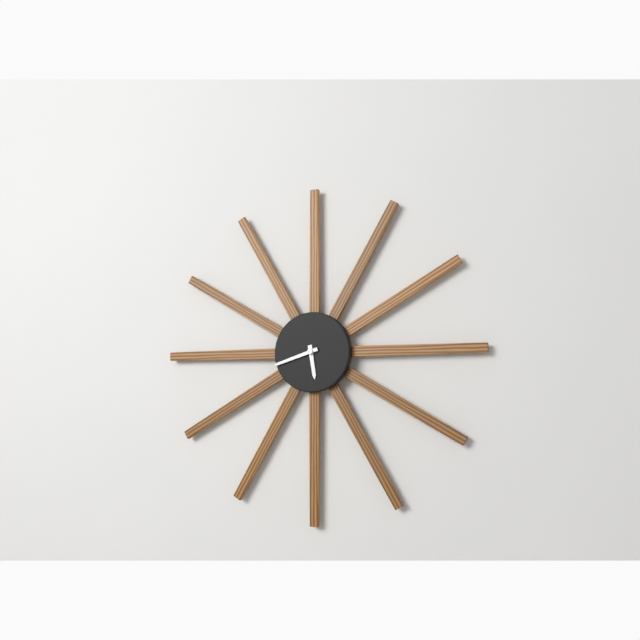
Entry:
h=5 m=42
